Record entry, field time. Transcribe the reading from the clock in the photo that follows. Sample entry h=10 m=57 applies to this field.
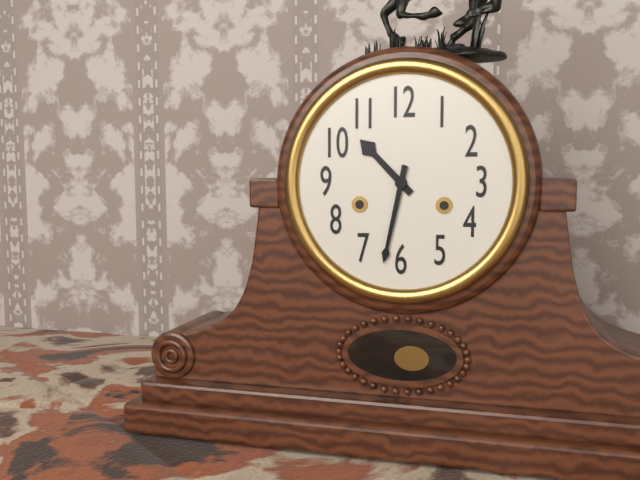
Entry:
h=10 m=32
